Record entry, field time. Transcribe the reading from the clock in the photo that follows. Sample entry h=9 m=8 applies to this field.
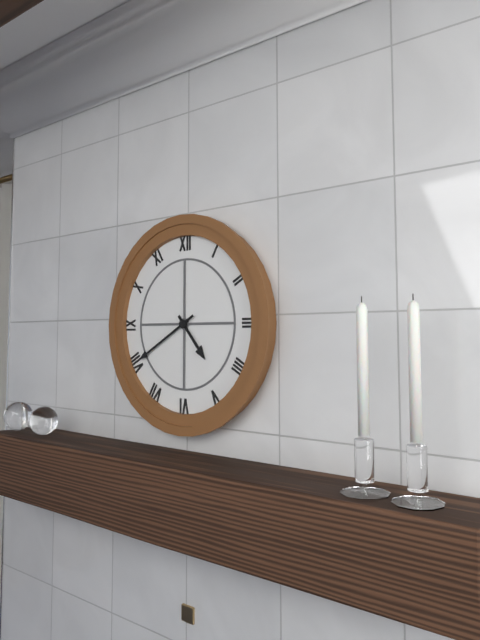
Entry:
h=4 m=40
